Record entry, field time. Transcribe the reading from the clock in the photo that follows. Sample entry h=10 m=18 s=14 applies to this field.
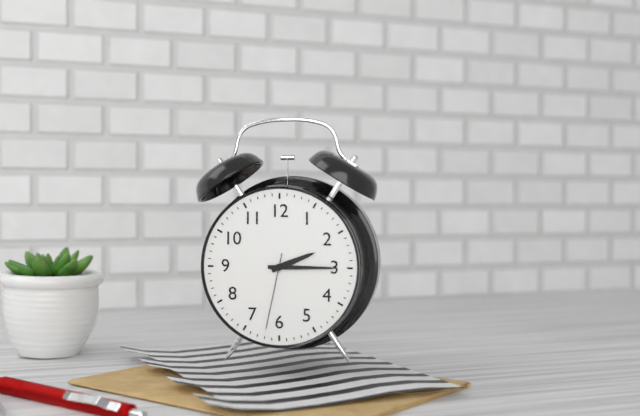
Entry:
h=2 m=15 s=32
